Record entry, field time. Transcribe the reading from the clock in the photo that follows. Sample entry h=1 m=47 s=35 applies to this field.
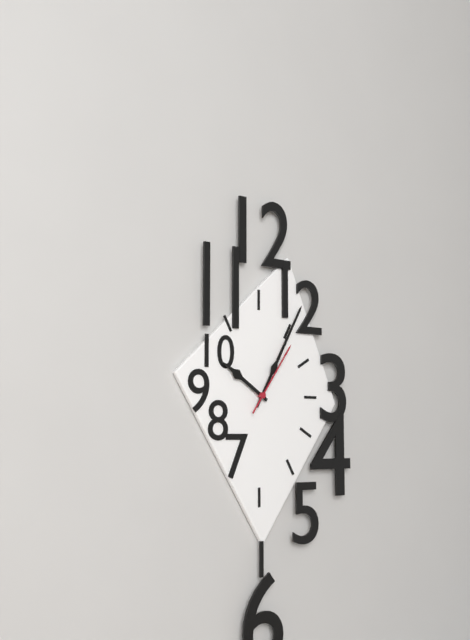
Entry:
h=10 m=5 s=6
